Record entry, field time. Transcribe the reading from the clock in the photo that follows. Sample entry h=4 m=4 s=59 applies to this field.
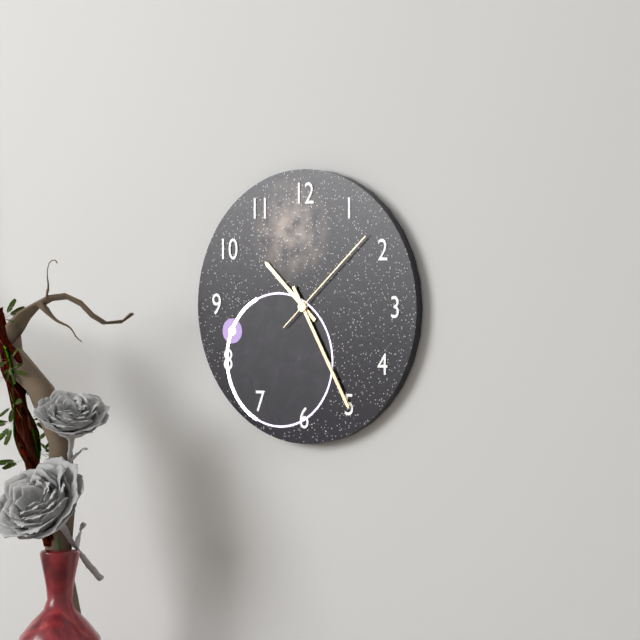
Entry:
h=10 m=25 s=8
